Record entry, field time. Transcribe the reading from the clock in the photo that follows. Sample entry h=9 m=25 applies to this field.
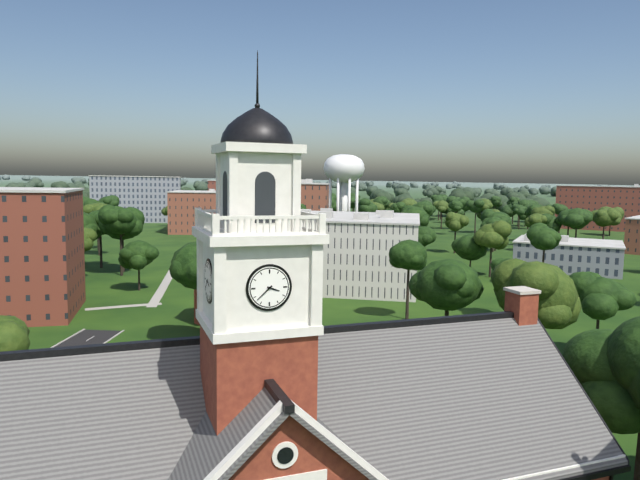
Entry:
h=3 m=38
